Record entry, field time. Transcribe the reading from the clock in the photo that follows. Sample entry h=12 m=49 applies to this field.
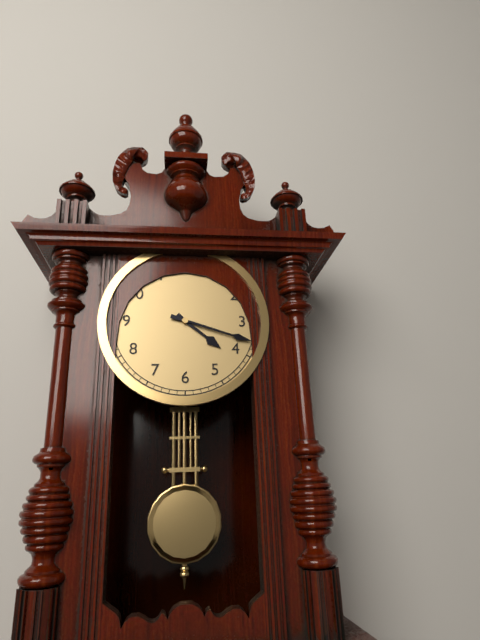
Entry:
h=4 m=18
